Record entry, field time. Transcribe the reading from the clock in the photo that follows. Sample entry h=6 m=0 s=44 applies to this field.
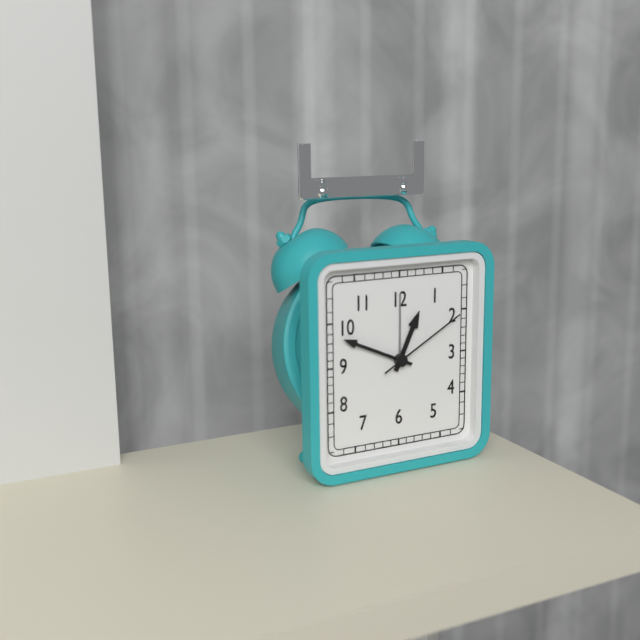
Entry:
h=12 m=49 s=10
